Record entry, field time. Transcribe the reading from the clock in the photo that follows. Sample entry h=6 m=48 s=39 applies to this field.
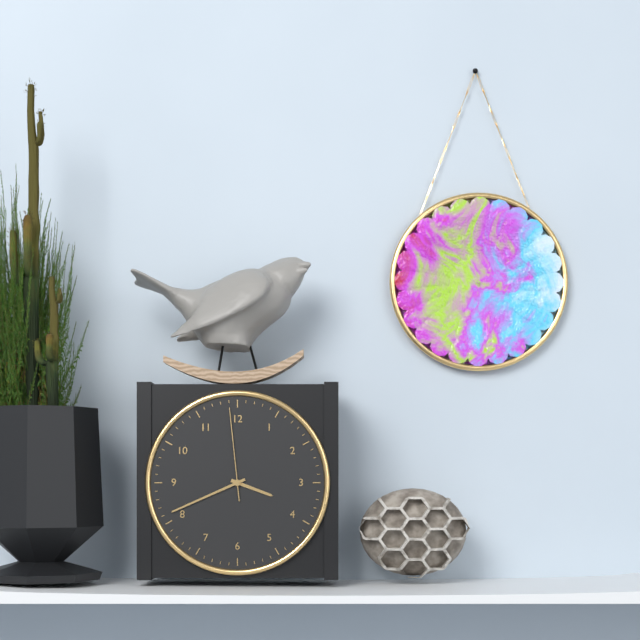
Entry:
h=3 m=41 s=59
